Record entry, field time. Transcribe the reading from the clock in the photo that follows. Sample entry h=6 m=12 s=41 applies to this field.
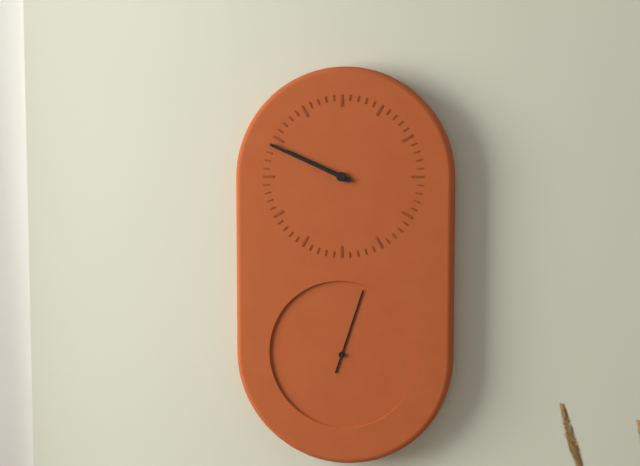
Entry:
h=9 m=49 s=3
